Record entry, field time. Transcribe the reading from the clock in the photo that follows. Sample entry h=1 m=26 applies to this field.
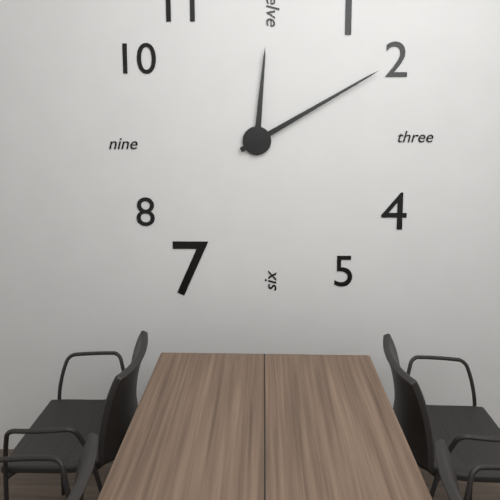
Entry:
h=12 m=10
